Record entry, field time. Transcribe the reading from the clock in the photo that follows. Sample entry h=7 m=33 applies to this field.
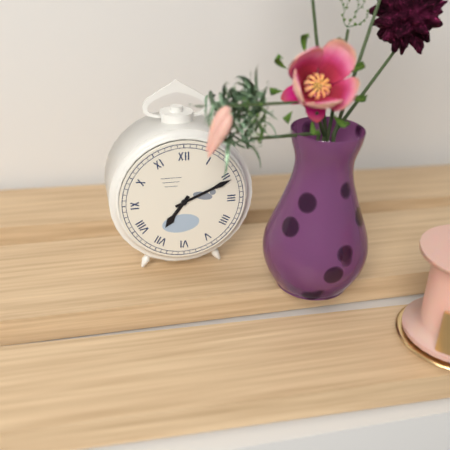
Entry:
h=7 m=11
